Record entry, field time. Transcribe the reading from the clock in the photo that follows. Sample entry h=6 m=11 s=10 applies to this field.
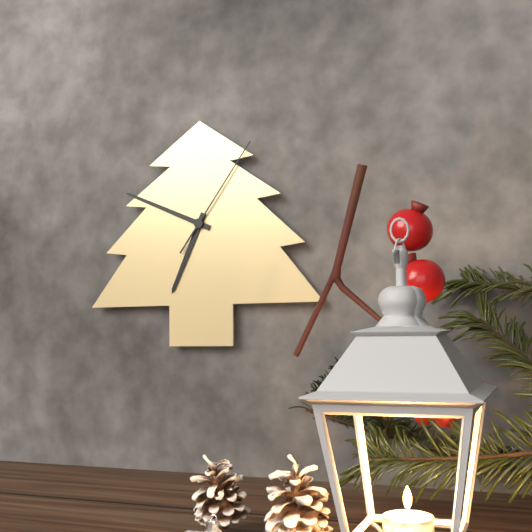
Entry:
h=6 m=49 s=6
